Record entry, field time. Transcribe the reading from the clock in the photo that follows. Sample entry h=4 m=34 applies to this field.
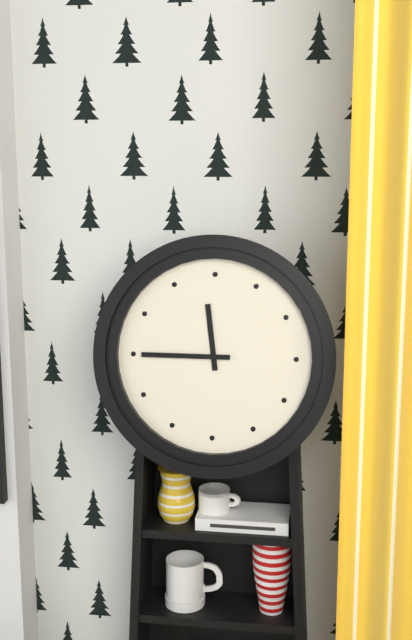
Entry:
h=11 m=45
